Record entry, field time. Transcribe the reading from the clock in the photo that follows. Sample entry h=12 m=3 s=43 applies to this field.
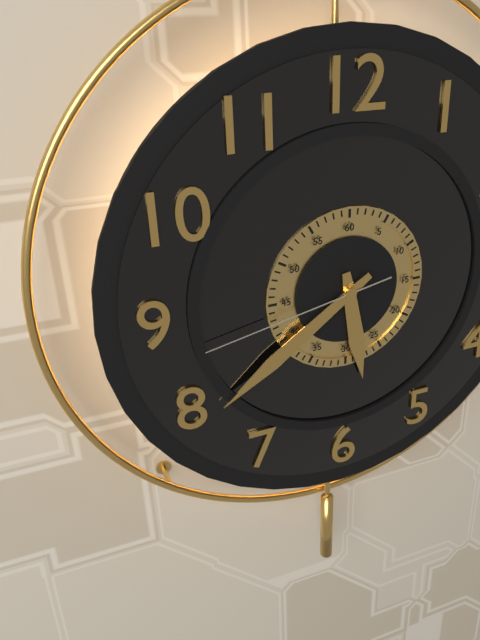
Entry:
h=5 m=39 s=43
